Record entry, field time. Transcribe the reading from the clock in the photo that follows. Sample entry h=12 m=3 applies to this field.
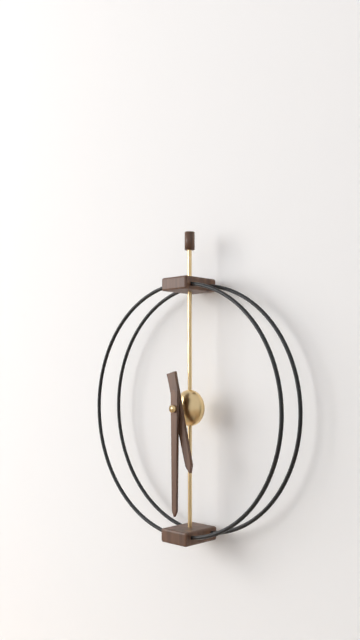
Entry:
h=5 m=30
